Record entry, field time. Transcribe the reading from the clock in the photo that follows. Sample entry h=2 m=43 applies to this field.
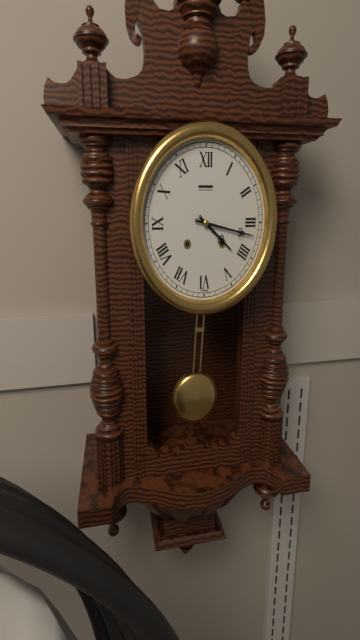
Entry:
h=4 m=17
